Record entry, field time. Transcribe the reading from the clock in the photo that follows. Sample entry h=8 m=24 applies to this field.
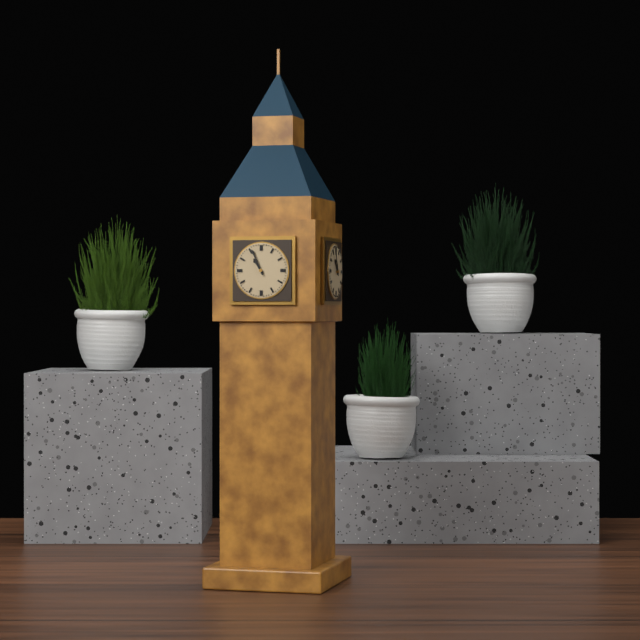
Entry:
h=10 m=56
